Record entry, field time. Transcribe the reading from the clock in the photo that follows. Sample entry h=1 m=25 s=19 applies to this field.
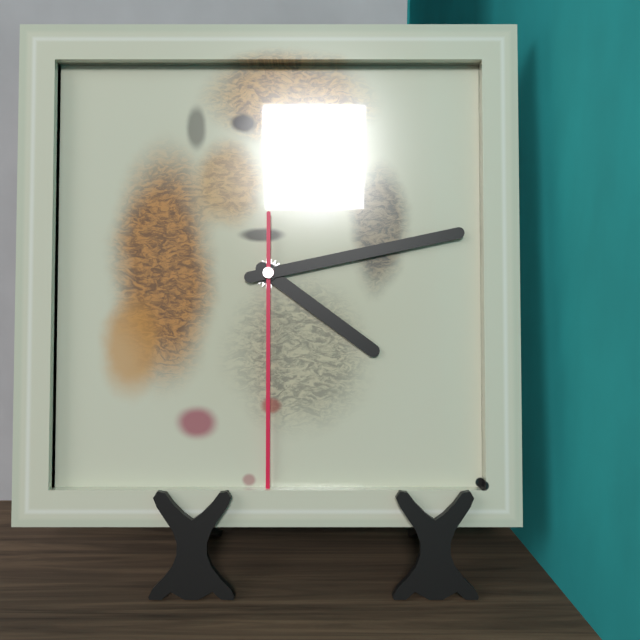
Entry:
h=4 m=13 s=30
